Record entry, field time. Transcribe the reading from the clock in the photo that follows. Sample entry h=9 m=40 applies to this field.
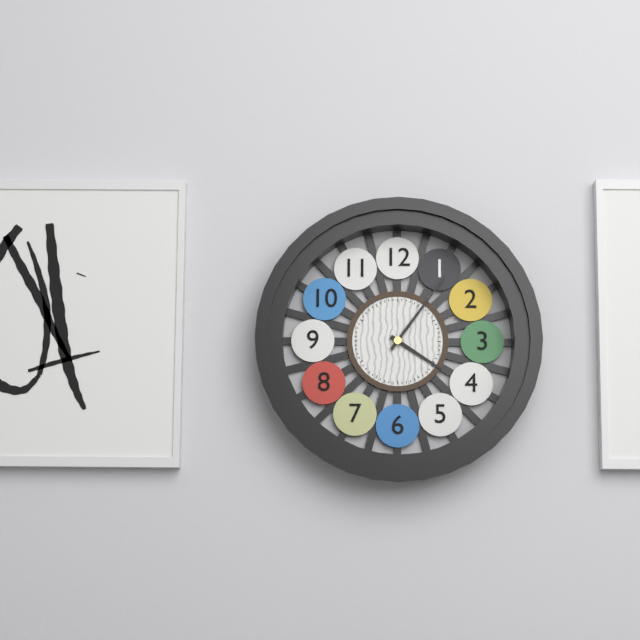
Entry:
h=4 m=6
